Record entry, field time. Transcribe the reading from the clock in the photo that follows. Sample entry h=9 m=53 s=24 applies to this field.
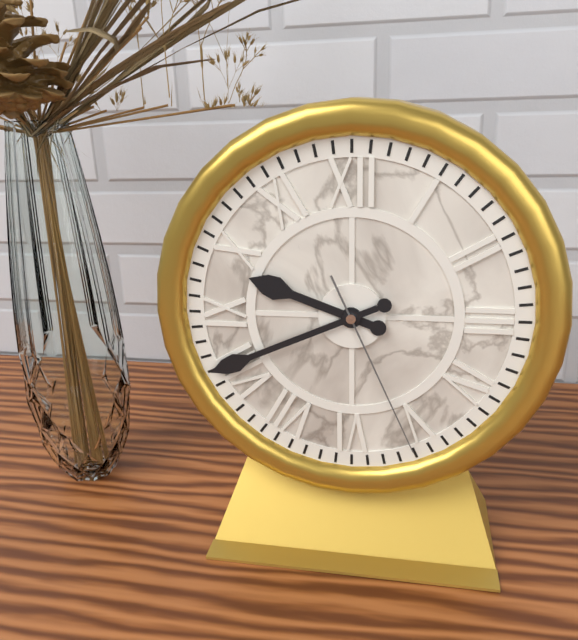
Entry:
h=9 m=41 s=26
